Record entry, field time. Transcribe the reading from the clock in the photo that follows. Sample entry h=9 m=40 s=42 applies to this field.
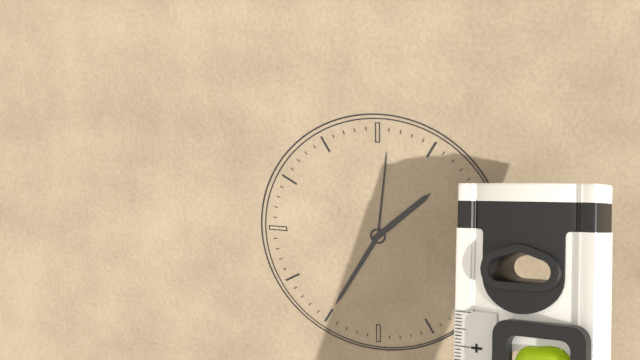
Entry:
h=1 m=35 s=1
